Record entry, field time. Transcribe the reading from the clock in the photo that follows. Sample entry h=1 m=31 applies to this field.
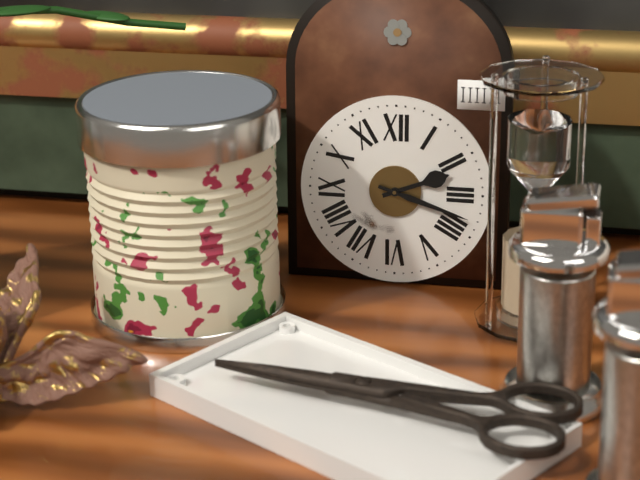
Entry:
h=2 m=18
